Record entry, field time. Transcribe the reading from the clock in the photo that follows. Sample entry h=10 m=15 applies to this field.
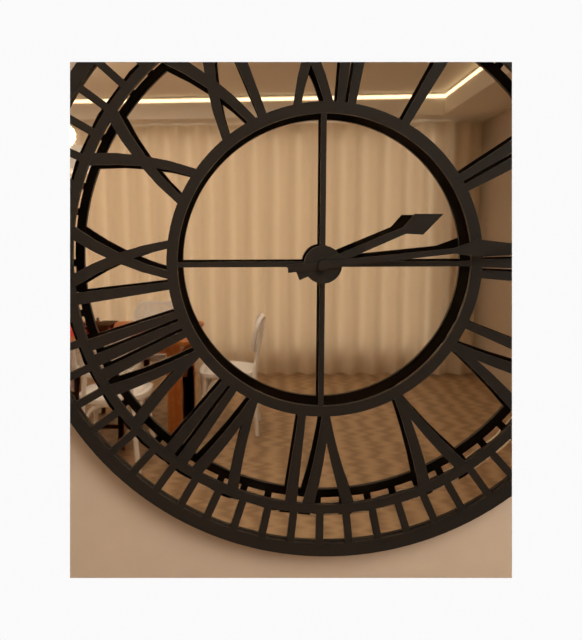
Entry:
h=2 m=14
